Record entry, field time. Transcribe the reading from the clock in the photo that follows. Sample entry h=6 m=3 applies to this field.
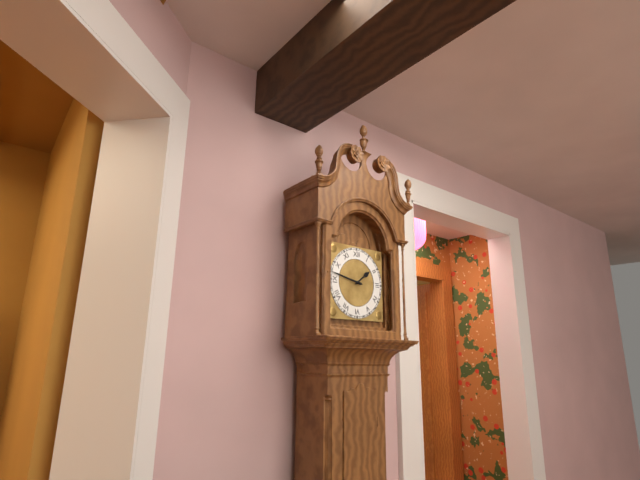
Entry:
h=1 m=47
